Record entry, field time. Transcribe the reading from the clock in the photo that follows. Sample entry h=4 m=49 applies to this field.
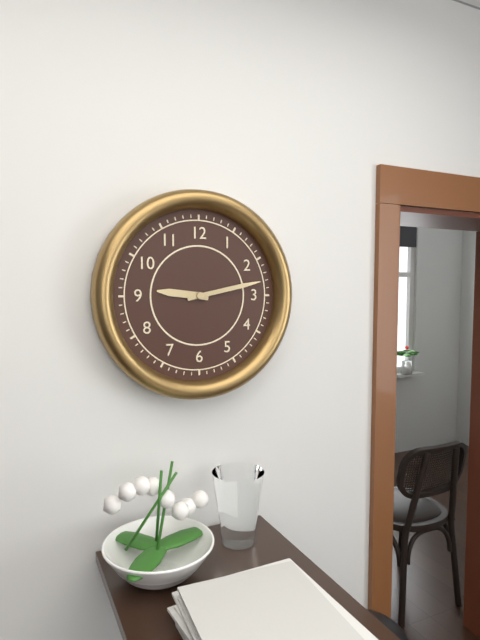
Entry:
h=9 m=13
